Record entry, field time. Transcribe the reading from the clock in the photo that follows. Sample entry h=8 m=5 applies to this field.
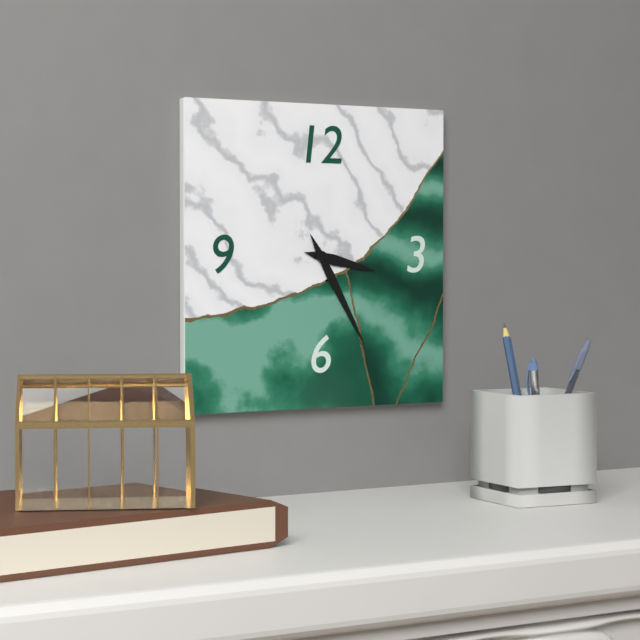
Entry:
h=3 m=25
